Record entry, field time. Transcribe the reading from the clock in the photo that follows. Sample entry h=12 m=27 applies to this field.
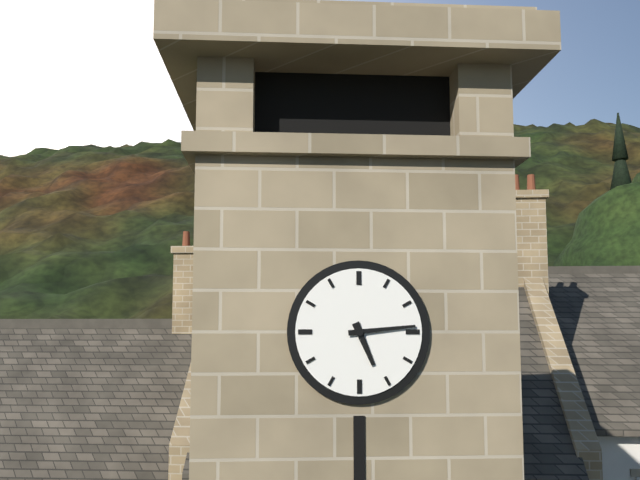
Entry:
h=5 m=14
